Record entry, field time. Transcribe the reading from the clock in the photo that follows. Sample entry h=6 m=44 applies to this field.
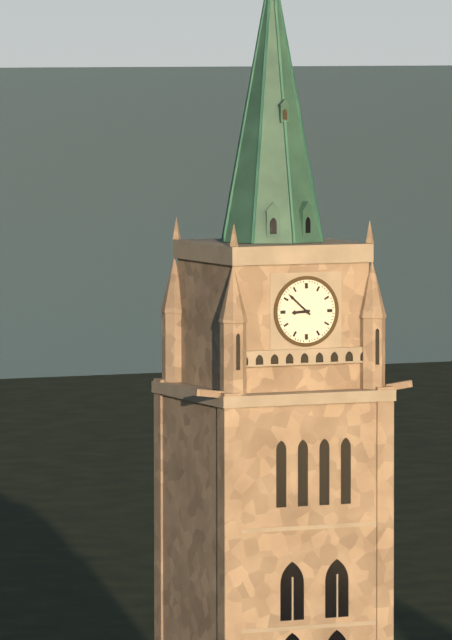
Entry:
h=8 m=52
